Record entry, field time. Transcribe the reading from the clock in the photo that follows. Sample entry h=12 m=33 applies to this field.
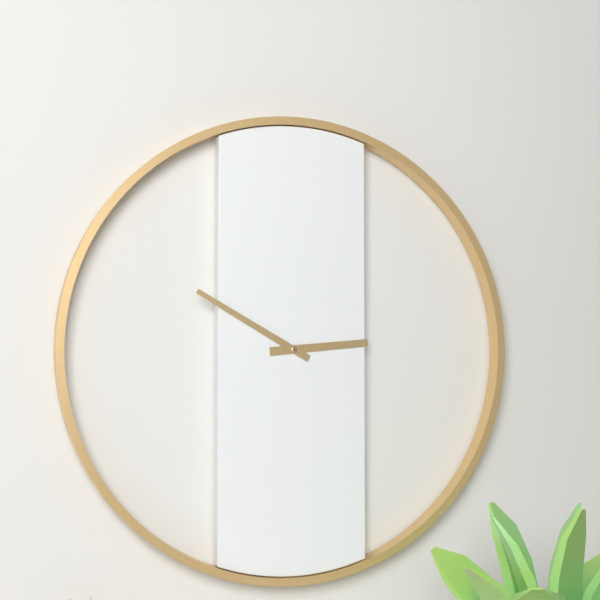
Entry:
h=2 m=50
